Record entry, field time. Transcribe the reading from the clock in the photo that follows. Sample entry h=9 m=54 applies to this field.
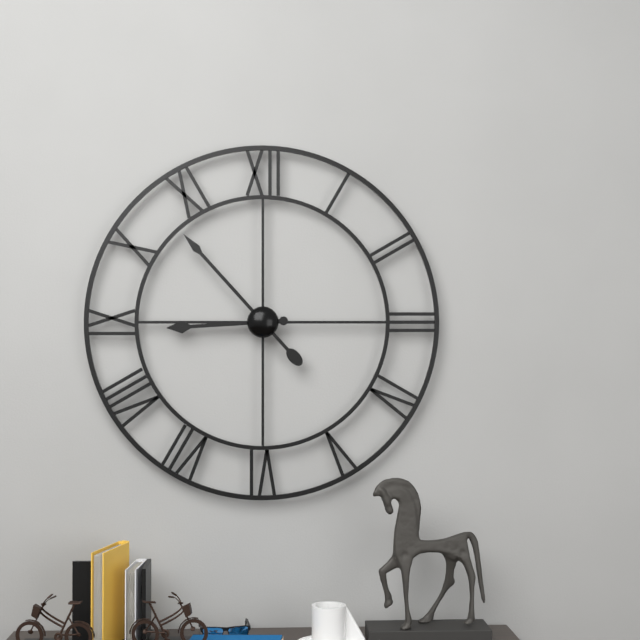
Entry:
h=8 m=53
